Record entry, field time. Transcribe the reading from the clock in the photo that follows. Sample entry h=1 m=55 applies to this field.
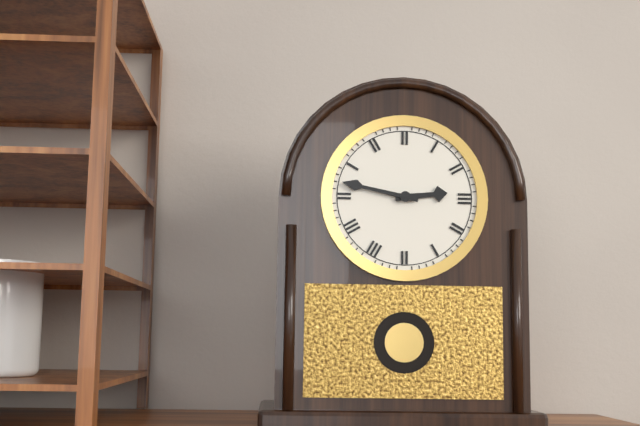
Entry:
h=2 m=47
